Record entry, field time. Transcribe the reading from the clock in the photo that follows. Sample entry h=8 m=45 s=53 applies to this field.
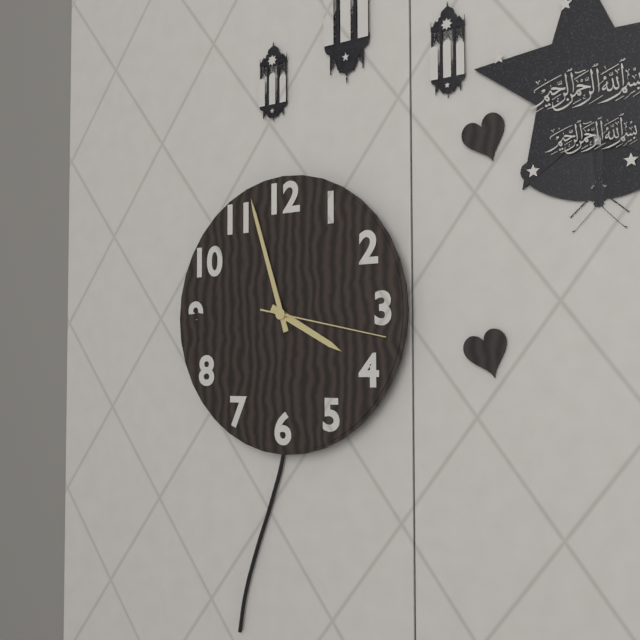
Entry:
h=3 m=57 s=17
